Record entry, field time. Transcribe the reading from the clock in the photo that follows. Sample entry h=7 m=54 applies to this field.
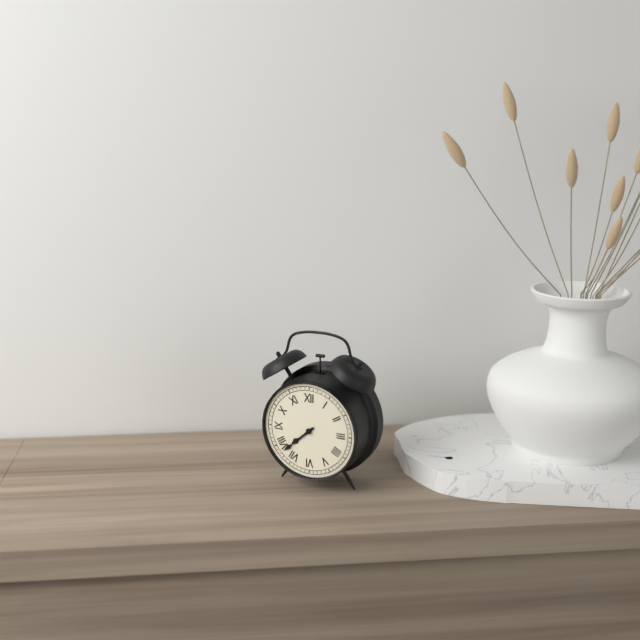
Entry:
h=7 m=38
